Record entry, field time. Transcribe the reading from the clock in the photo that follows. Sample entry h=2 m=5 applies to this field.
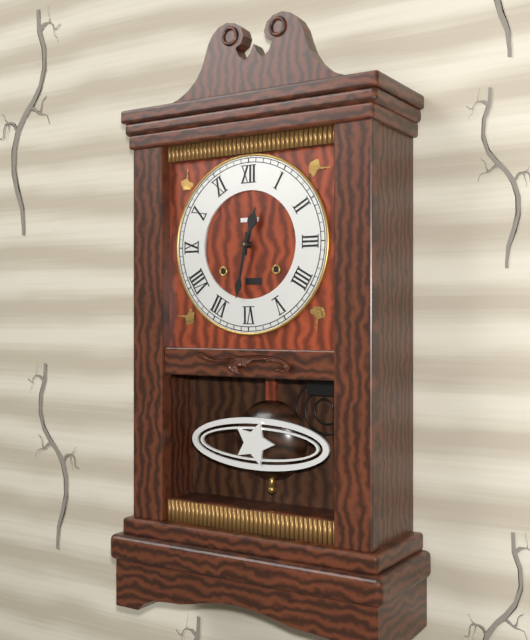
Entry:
h=12 m=32
